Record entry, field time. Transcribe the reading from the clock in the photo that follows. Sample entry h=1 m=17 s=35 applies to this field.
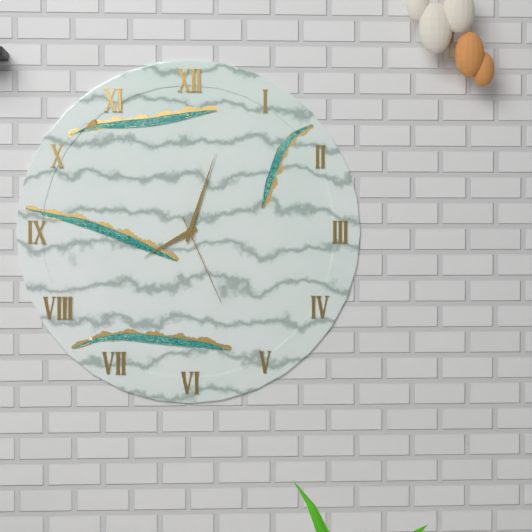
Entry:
h=8 m=3 s=26
